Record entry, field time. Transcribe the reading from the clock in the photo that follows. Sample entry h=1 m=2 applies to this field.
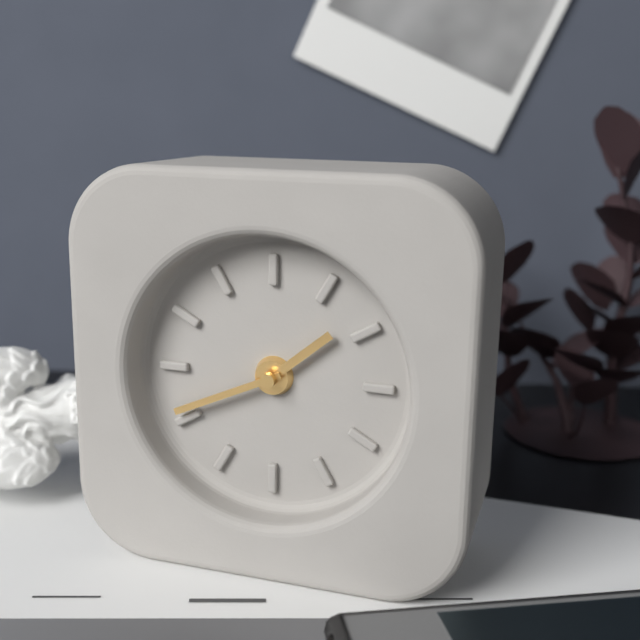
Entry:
h=1 m=41
